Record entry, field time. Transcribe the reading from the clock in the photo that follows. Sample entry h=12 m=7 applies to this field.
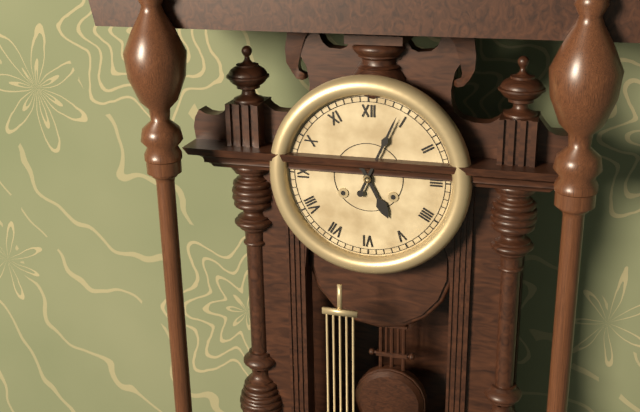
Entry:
h=5 m=4
